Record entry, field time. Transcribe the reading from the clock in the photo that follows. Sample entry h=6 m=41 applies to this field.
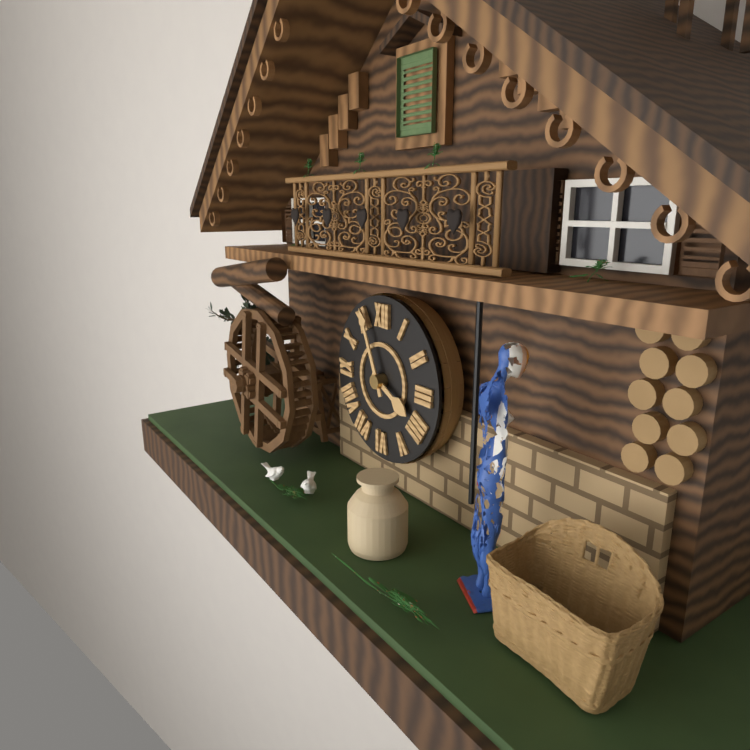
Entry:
h=3 m=56
